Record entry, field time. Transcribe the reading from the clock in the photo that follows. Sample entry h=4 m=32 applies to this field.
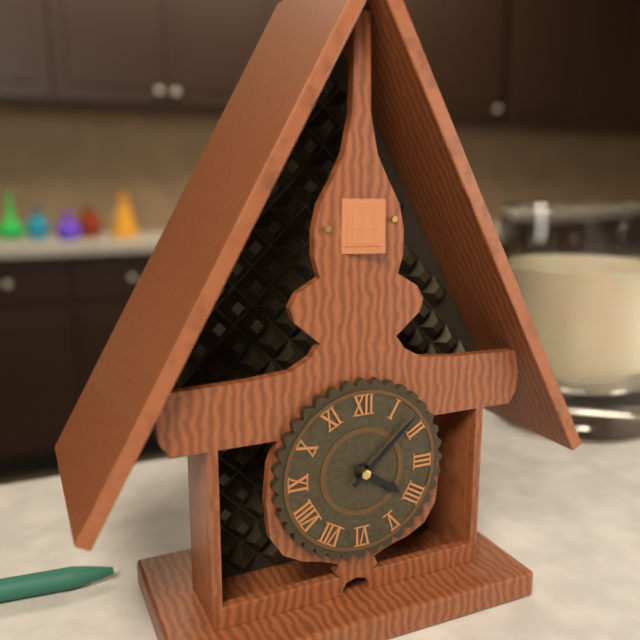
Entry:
h=4 m=8
